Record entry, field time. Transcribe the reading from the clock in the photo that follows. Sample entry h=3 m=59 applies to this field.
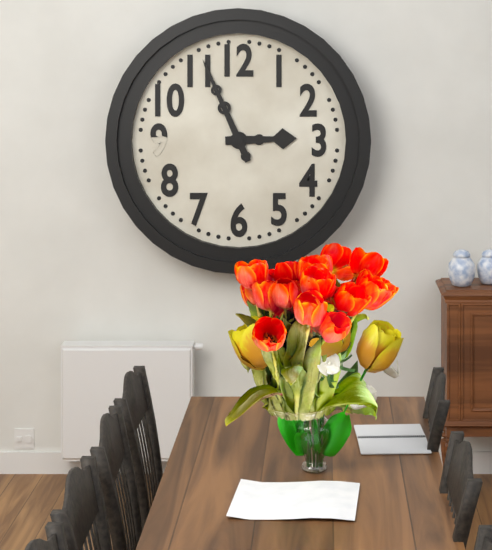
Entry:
h=2 m=56
